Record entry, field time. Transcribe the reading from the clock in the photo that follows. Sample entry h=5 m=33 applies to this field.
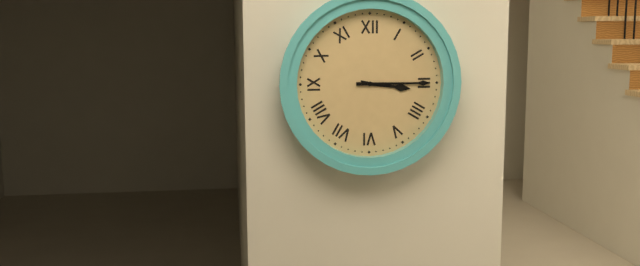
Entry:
h=3 m=15
